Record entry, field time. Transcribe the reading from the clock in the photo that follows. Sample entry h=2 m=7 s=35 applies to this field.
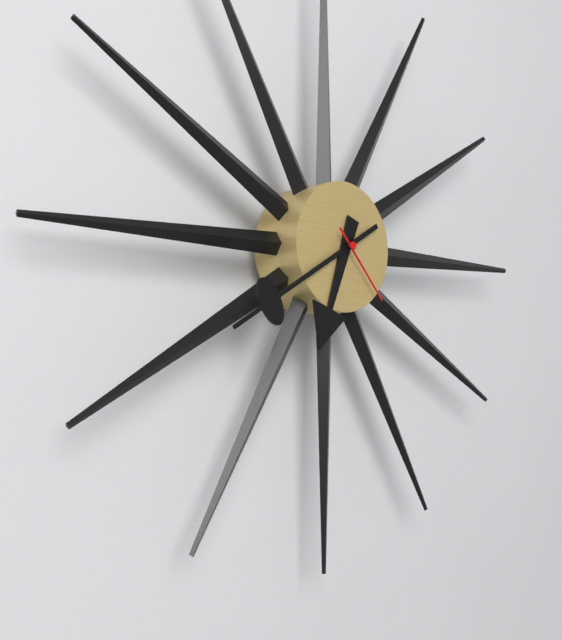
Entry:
h=6 m=40 s=23
